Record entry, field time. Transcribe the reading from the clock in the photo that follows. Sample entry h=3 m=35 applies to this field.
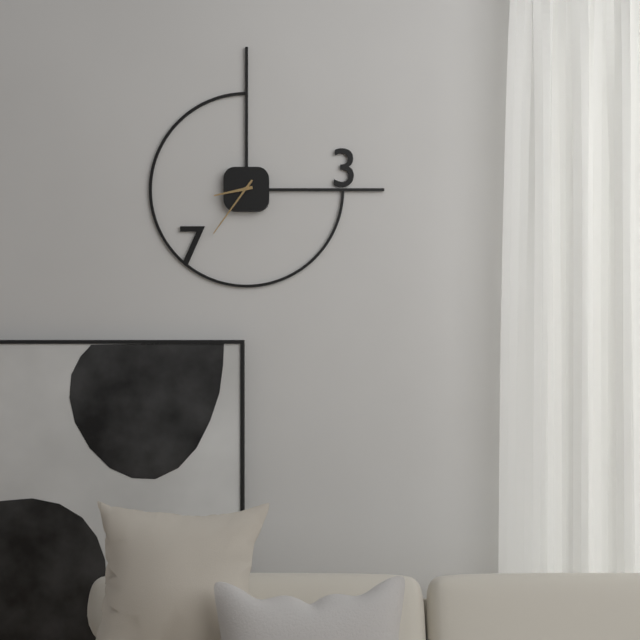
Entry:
h=8 m=36
